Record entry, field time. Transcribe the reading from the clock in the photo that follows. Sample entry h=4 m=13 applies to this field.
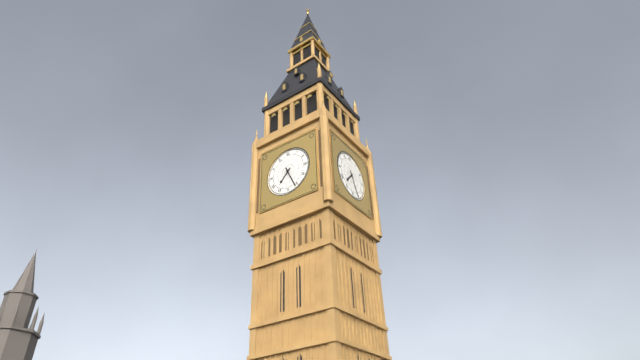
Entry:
h=7 m=26
